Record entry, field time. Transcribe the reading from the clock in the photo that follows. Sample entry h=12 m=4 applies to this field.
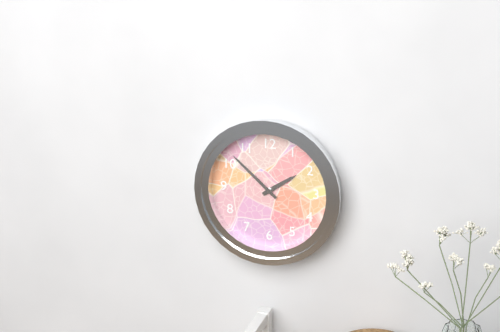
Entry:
h=1 m=52
